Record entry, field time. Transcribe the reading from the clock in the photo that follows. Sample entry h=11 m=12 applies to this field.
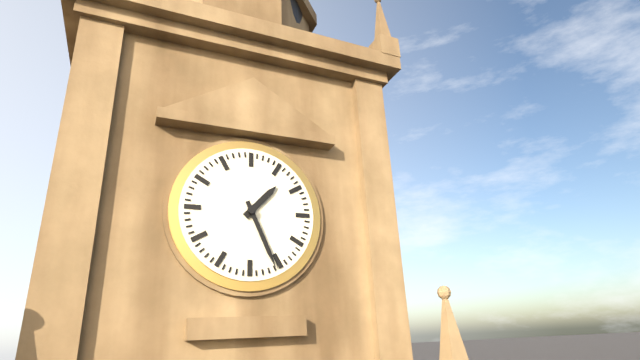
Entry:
h=1 m=26
